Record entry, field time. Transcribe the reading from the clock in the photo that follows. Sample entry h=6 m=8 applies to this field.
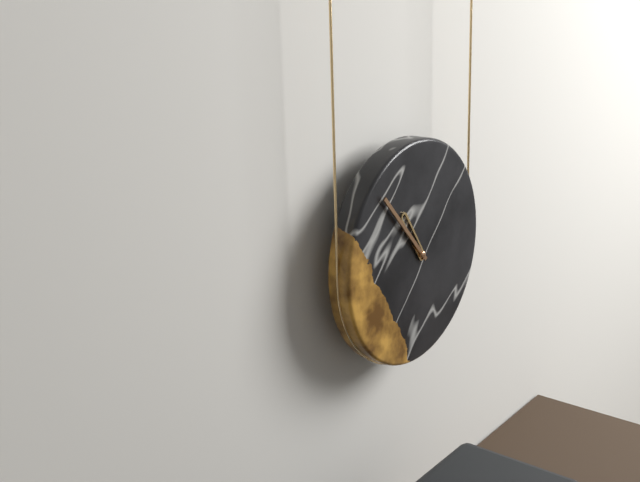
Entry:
h=10 m=53
